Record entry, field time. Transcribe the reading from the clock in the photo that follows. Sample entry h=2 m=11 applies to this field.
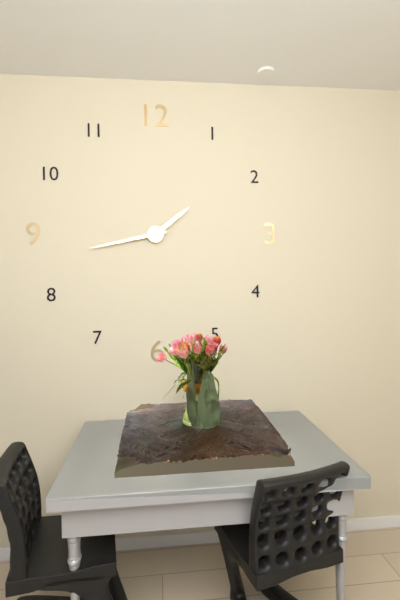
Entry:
h=1 m=43
